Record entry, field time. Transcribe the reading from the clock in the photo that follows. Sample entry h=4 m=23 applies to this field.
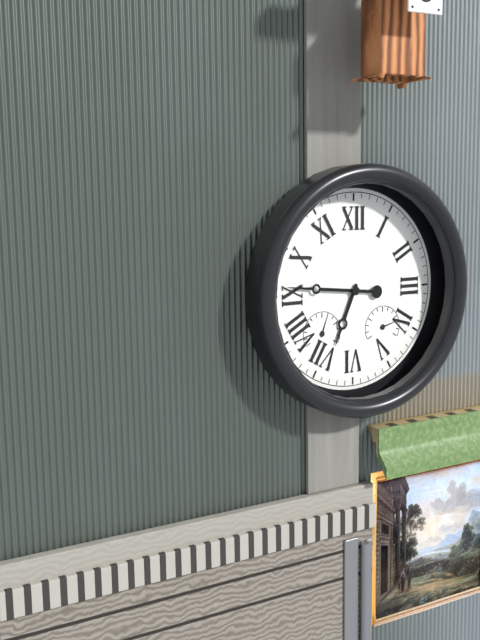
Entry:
h=6 m=46
